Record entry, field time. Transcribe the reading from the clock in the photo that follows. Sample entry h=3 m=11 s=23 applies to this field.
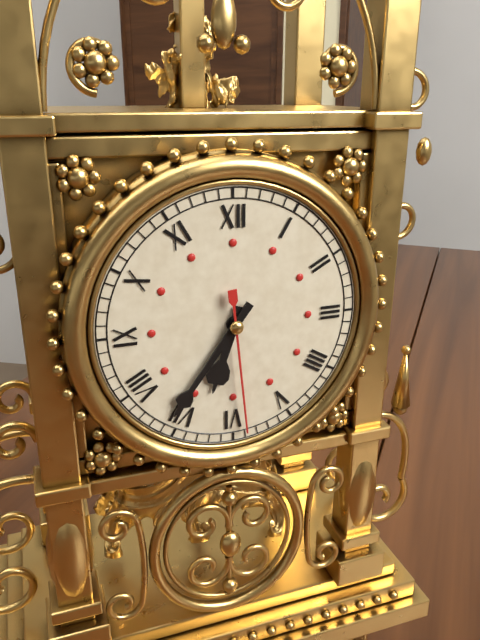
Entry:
h=6 m=36 s=29
